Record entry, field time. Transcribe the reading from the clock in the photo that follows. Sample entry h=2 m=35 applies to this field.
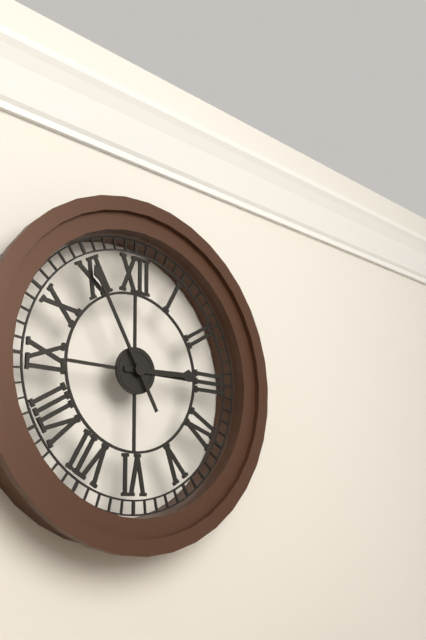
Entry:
h=2 m=55
